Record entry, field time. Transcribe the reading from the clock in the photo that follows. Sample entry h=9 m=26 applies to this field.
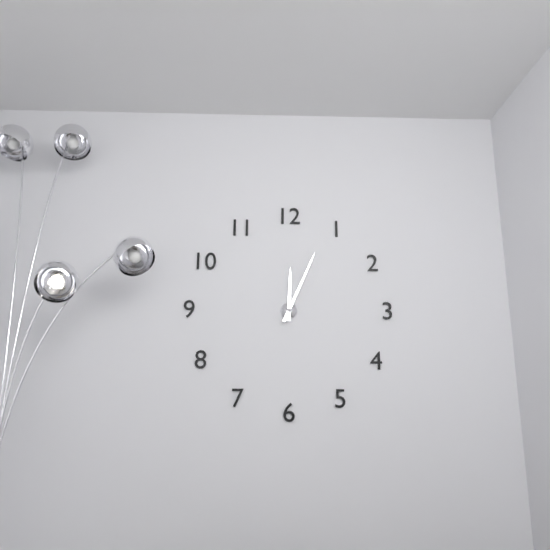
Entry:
h=12 m=4
